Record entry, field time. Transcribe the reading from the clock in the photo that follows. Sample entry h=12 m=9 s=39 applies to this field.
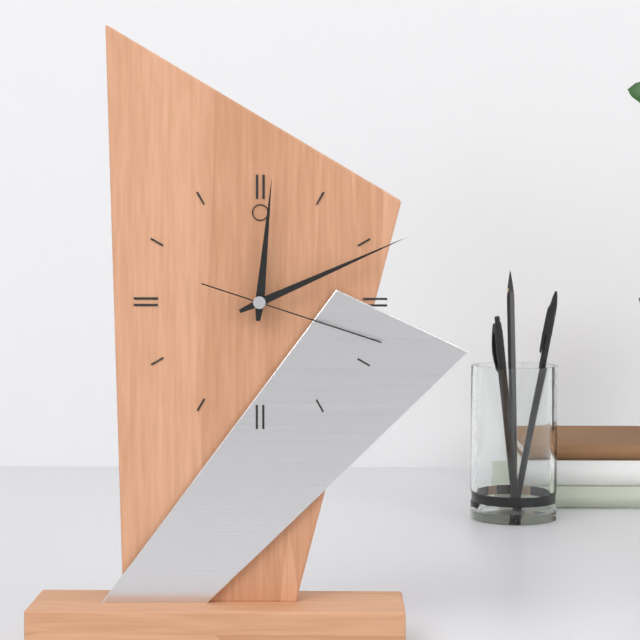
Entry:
h=12 m=11 s=18
